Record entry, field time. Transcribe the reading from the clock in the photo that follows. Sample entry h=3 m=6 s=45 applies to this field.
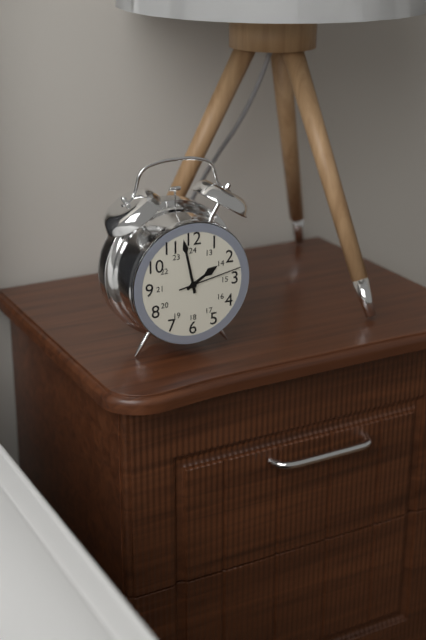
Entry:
h=1 m=58 s=13
